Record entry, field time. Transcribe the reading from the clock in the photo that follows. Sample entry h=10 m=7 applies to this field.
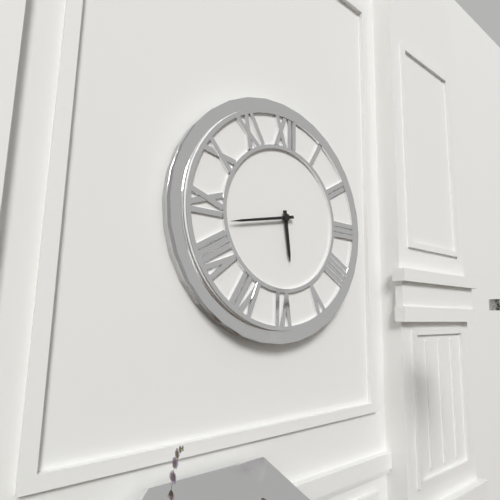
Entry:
h=5 m=43
